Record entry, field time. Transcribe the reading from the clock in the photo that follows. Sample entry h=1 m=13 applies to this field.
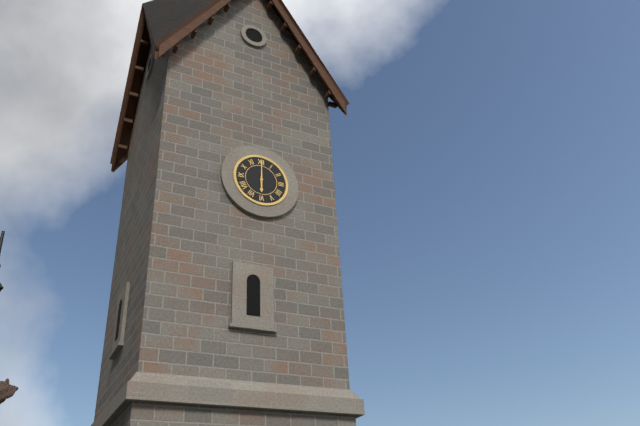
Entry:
h=6 m=0
